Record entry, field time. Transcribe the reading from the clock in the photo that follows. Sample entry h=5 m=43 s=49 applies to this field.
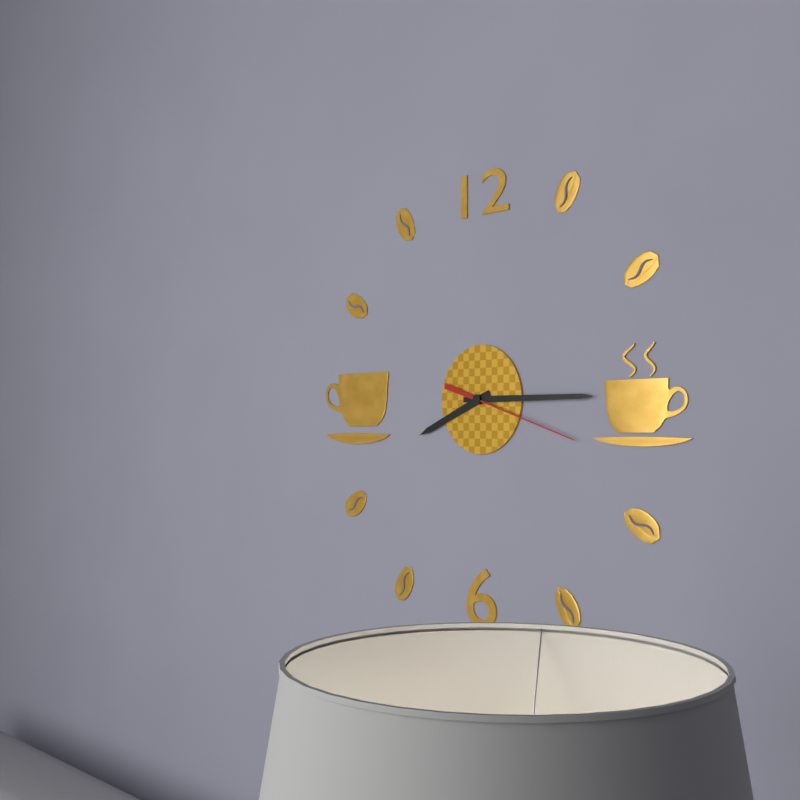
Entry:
h=8 m=15 s=18
